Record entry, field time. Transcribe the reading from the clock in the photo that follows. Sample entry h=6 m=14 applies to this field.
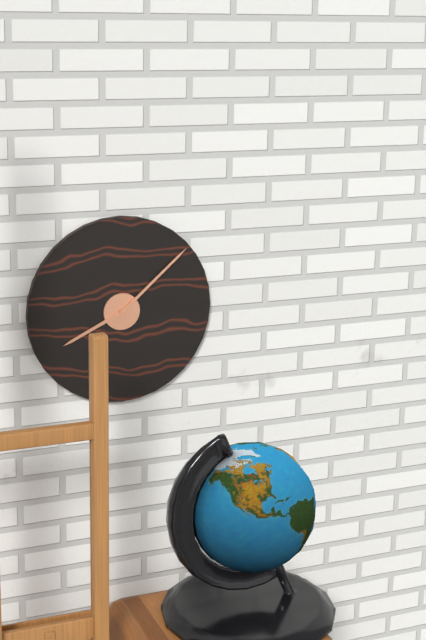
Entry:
h=8 m=8
